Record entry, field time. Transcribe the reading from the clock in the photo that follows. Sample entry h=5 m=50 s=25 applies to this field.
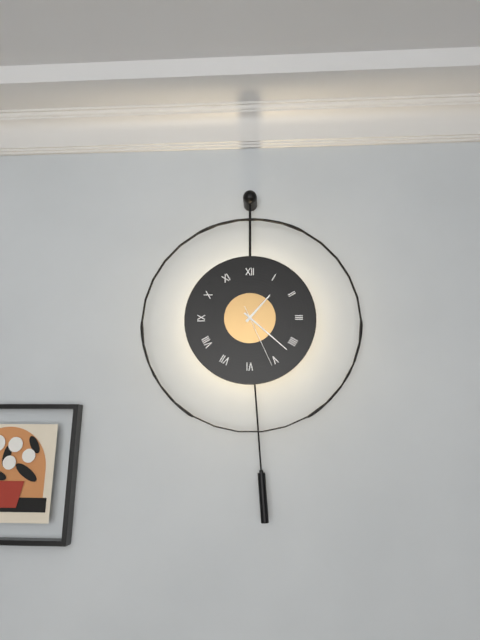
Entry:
h=1 m=22 s=26
